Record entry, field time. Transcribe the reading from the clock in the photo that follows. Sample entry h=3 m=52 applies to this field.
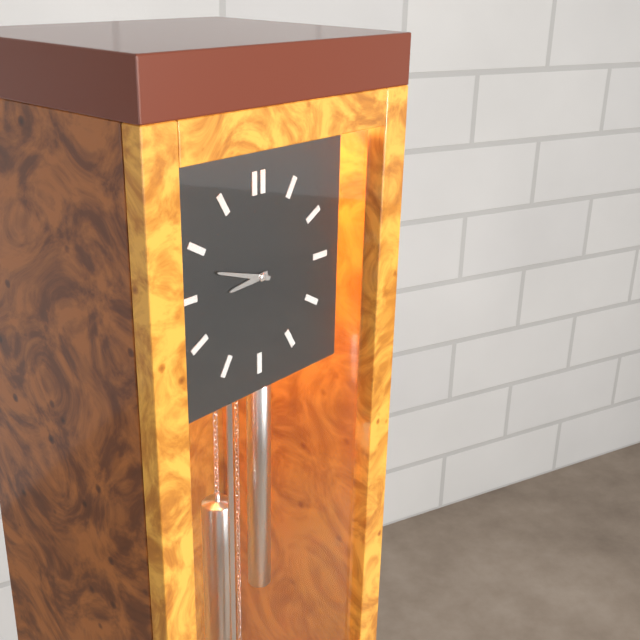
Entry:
h=8 m=48
